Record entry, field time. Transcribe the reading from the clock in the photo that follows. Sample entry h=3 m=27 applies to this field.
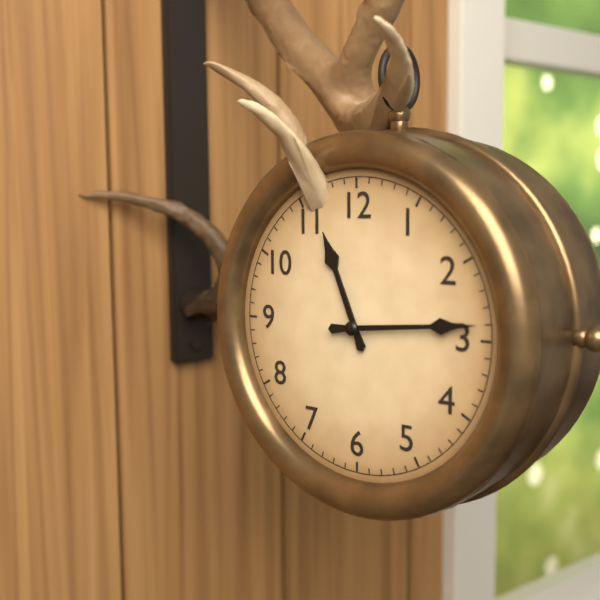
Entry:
h=11 m=14
